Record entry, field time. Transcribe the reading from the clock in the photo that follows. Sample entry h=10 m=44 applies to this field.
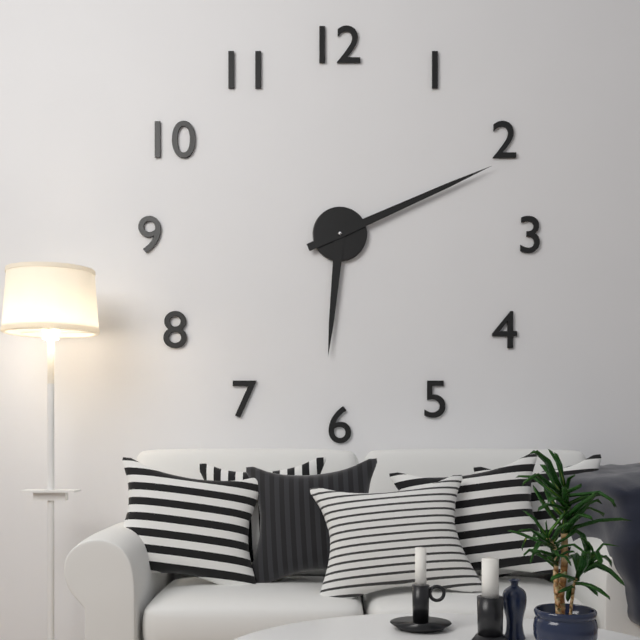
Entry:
h=6 m=11
